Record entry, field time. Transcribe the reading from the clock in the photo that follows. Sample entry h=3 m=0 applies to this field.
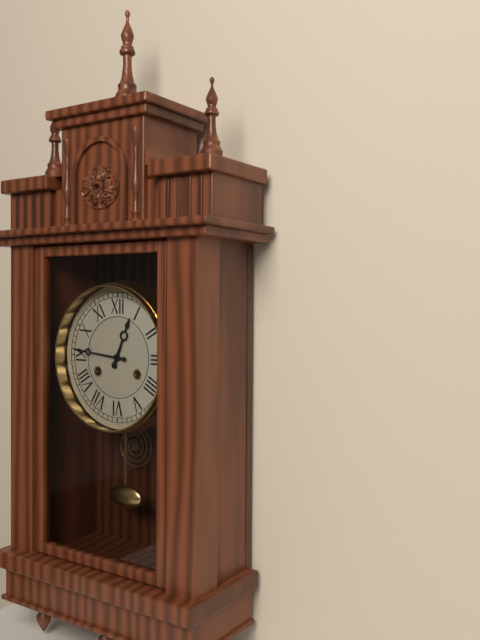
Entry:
h=12 m=46
